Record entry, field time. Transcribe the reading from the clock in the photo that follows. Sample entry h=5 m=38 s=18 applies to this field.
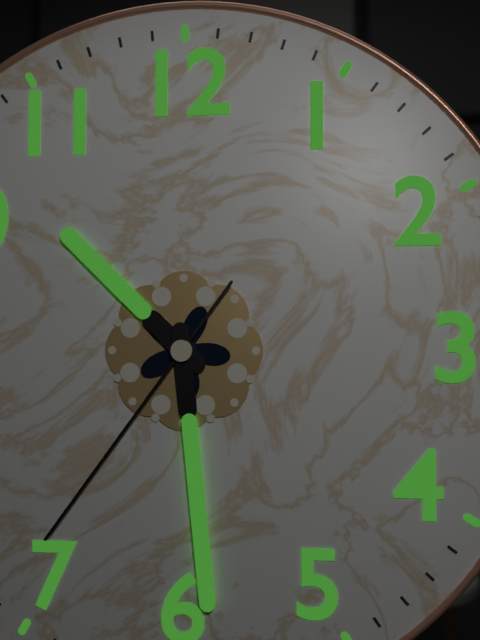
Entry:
h=10 m=29 s=36
